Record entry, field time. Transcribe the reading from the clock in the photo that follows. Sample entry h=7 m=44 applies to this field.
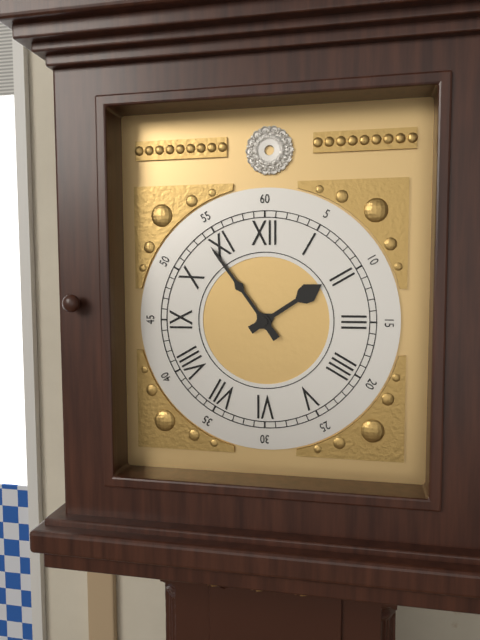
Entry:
h=1 m=54
